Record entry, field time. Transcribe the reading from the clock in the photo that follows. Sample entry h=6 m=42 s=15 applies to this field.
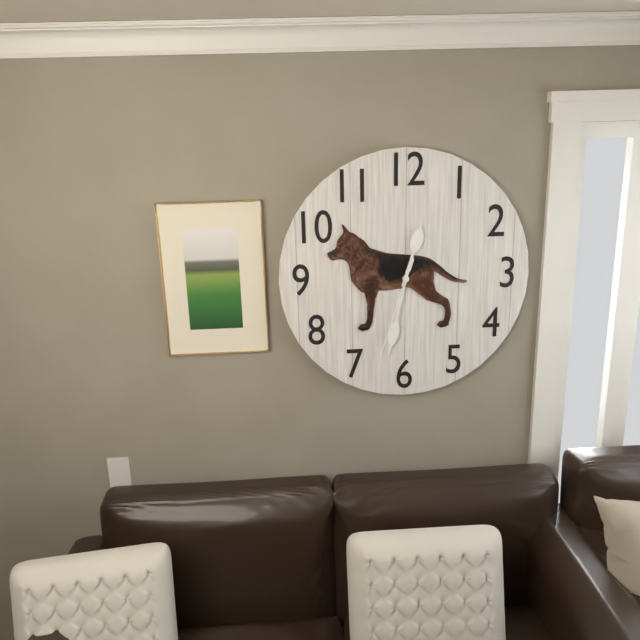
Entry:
h=12 m=32 s=33
